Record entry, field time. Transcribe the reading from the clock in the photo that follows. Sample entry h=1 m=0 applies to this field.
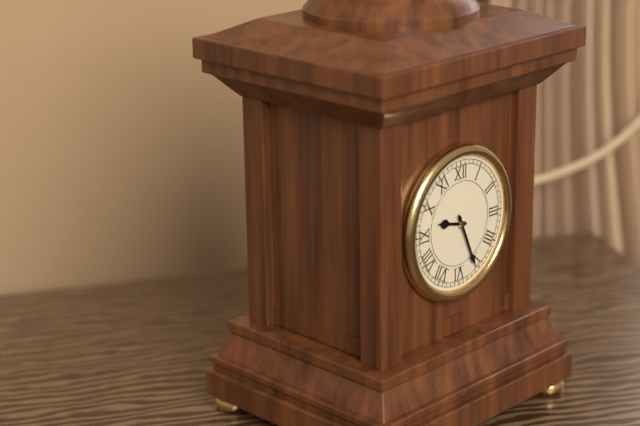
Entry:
h=9 m=26
